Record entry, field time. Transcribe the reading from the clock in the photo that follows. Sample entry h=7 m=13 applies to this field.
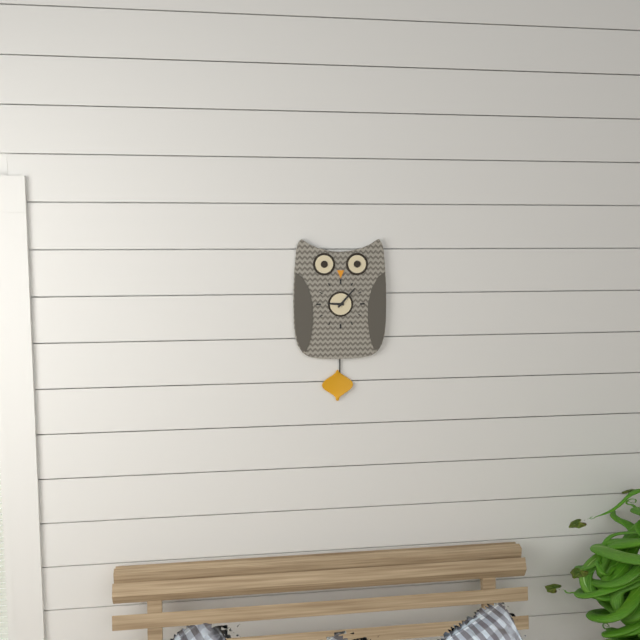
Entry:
h=9 m=7
